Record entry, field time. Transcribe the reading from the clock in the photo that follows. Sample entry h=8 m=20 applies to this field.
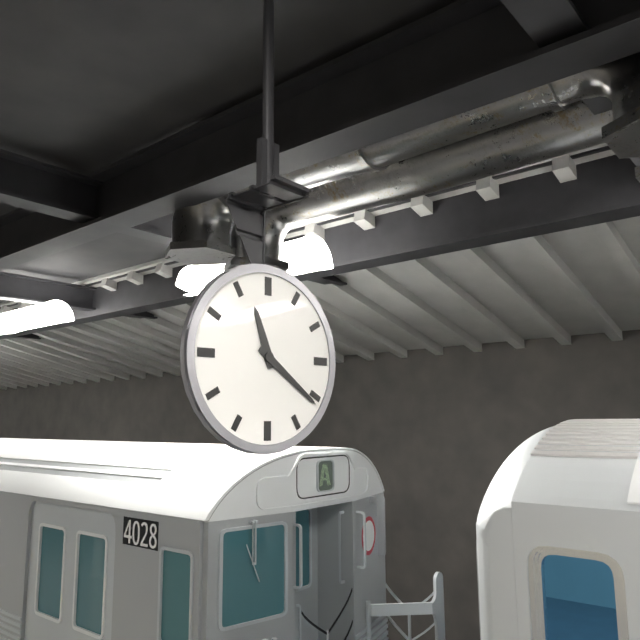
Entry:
h=11 m=21
